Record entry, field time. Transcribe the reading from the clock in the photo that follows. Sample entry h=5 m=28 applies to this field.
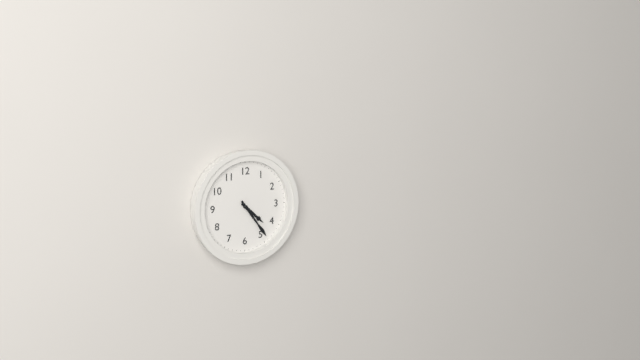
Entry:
h=4 m=24
